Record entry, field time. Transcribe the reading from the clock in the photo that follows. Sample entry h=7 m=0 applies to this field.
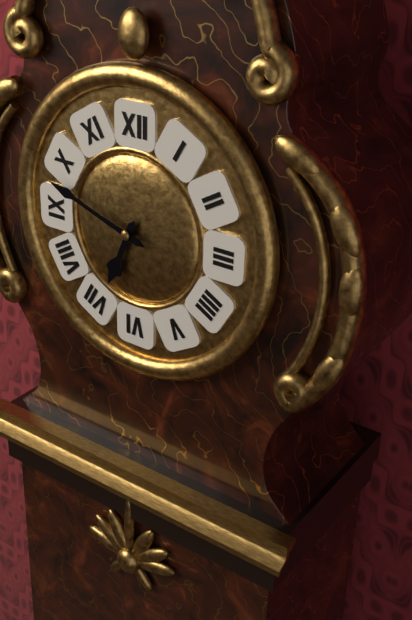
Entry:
h=6 m=48
